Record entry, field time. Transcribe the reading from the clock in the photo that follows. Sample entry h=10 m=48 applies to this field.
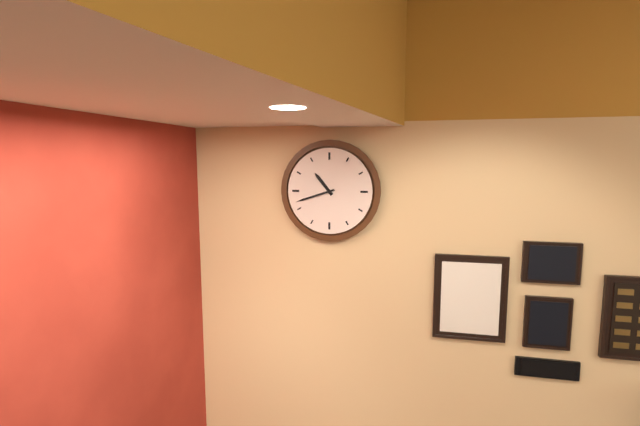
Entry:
h=10 m=42
